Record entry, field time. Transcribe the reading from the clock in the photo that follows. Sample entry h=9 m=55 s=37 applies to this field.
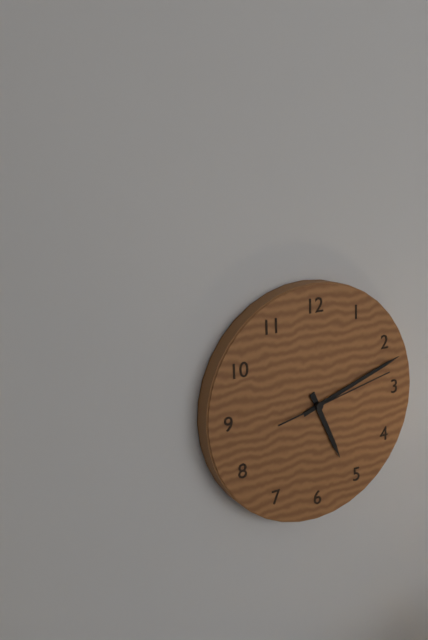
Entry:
h=5 m=12 s=13
